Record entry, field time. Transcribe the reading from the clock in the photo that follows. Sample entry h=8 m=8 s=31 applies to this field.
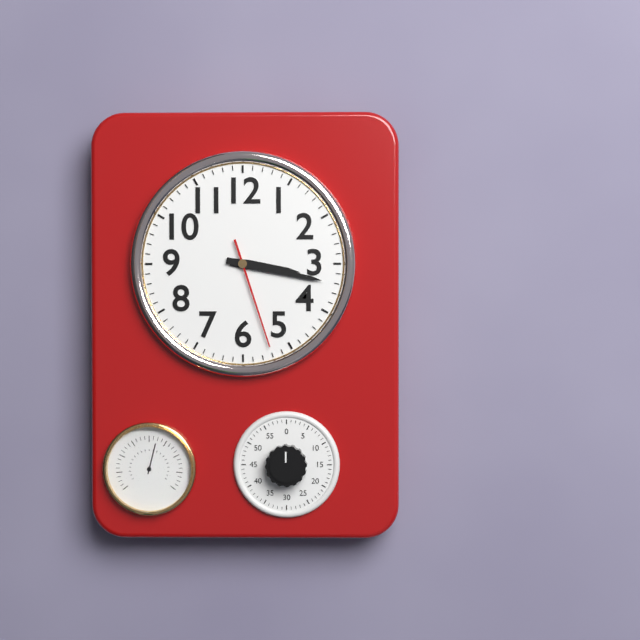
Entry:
h=3 m=17 s=27
